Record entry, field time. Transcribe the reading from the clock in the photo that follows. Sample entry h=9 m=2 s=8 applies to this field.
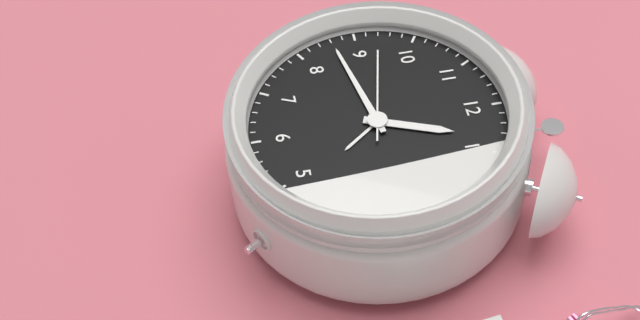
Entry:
h=12 m=43 s=47
